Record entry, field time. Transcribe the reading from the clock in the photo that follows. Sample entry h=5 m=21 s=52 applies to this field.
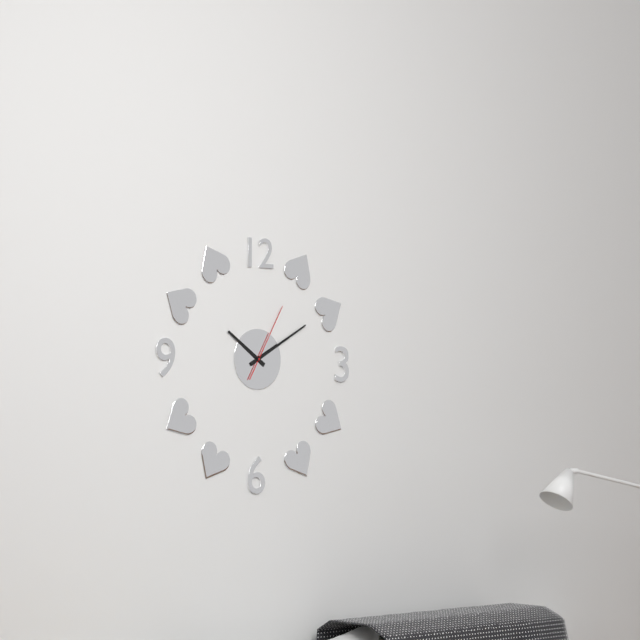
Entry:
h=10 m=10 s=5
